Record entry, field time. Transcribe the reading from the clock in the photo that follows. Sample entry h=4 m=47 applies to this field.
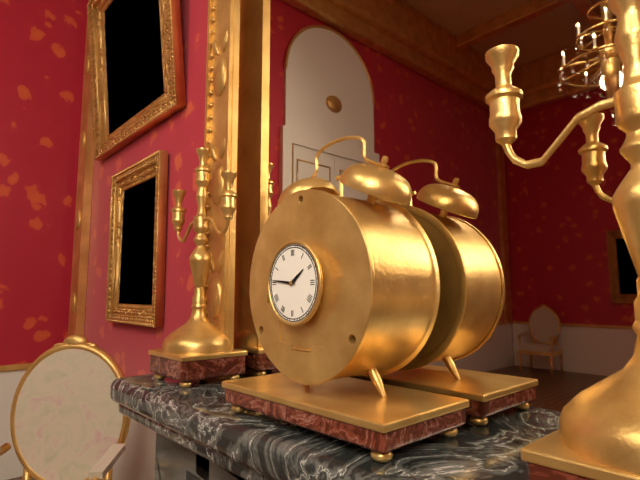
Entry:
h=1 m=46
